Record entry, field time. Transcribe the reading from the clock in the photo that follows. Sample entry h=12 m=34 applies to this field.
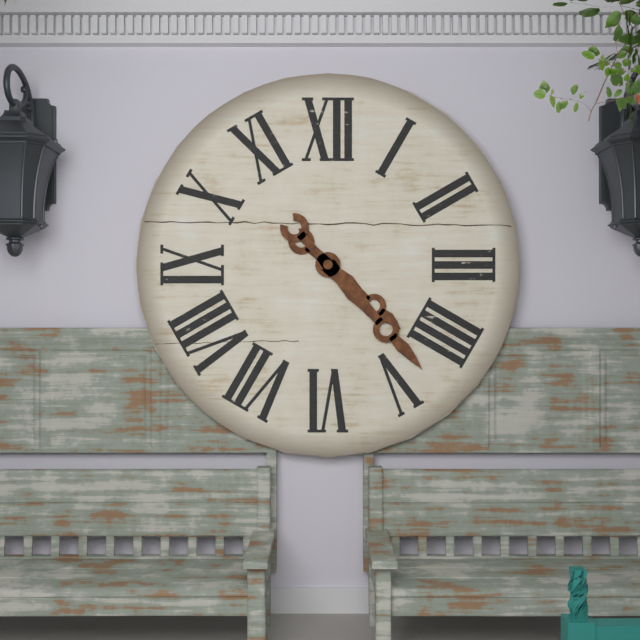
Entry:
h=4 m=23
